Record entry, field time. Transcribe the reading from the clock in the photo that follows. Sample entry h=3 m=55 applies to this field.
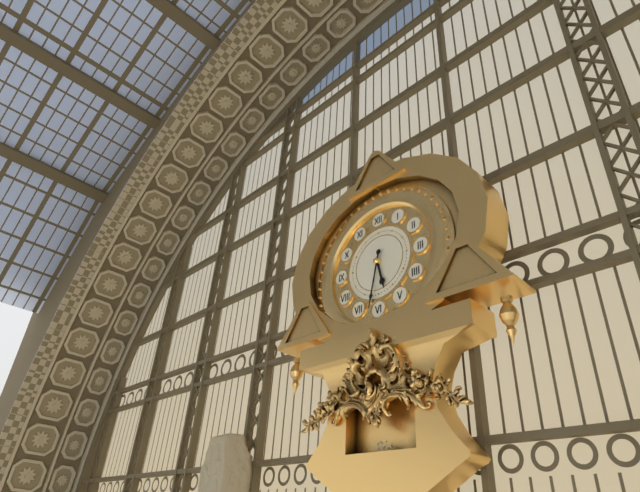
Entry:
h=5 m=32
